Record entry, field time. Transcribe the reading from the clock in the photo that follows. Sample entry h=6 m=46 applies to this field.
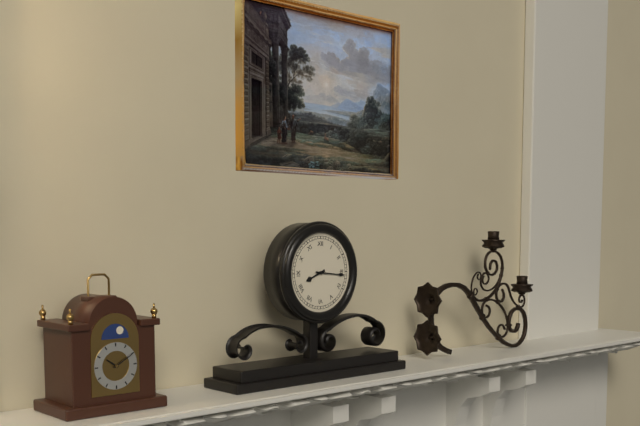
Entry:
h=8 m=16
